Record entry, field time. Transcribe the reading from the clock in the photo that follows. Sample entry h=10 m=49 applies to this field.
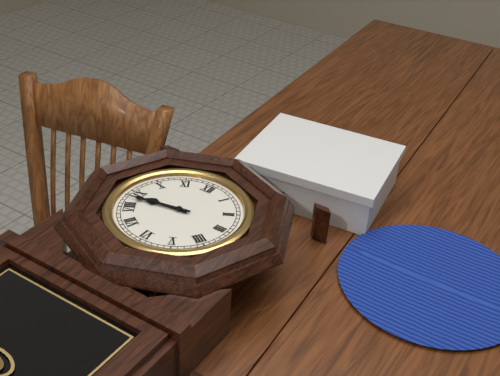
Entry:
h=8 m=43
